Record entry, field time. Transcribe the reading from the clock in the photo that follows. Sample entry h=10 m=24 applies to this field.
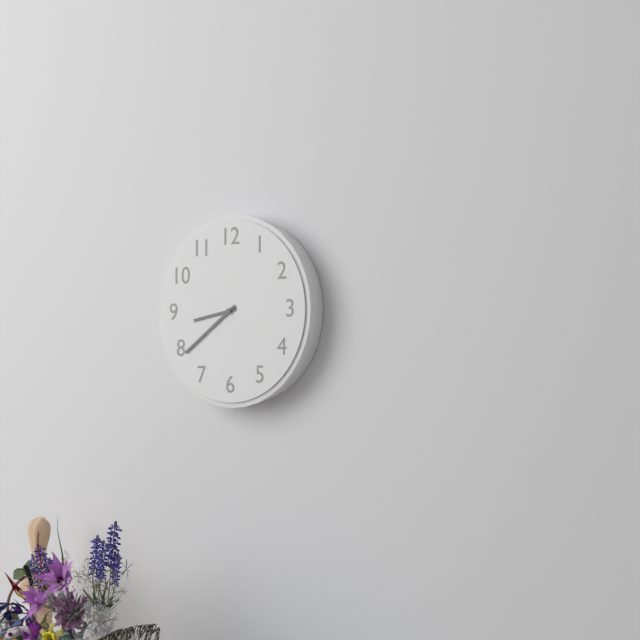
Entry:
h=8 m=39
